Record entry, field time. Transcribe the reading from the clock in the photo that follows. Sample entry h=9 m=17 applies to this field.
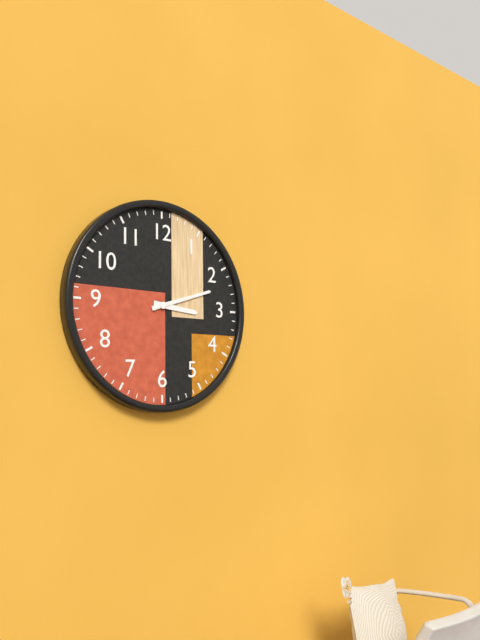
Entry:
h=3 m=12
